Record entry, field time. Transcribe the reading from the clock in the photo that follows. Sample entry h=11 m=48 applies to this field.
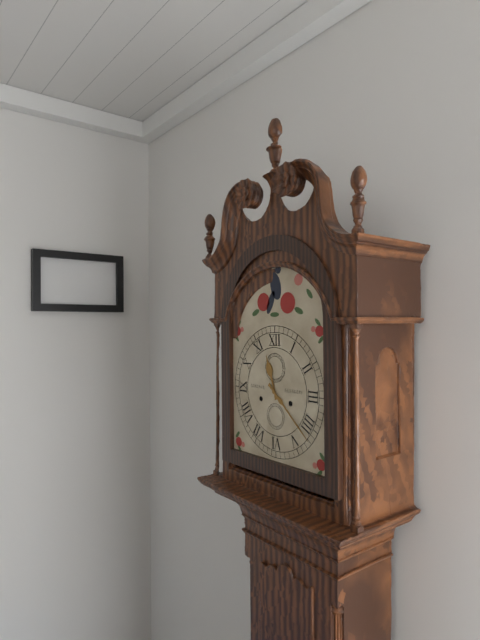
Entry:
h=11 m=22
